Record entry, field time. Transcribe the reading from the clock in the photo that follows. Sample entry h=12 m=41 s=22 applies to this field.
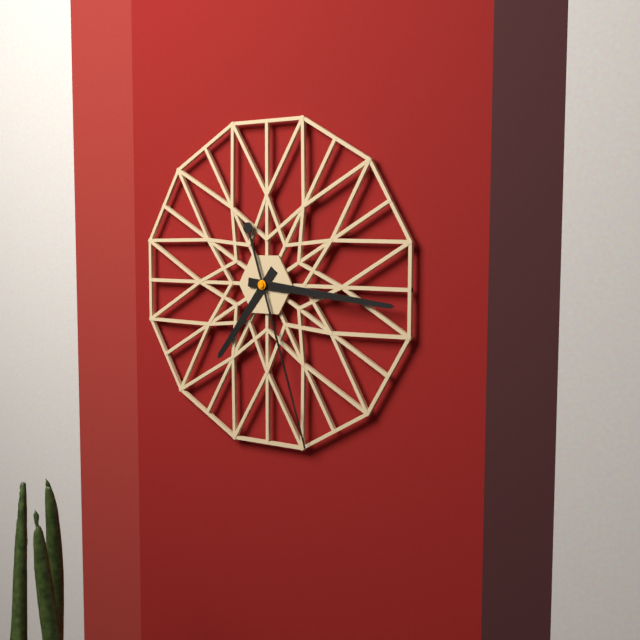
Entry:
h=7 m=16 s=27
